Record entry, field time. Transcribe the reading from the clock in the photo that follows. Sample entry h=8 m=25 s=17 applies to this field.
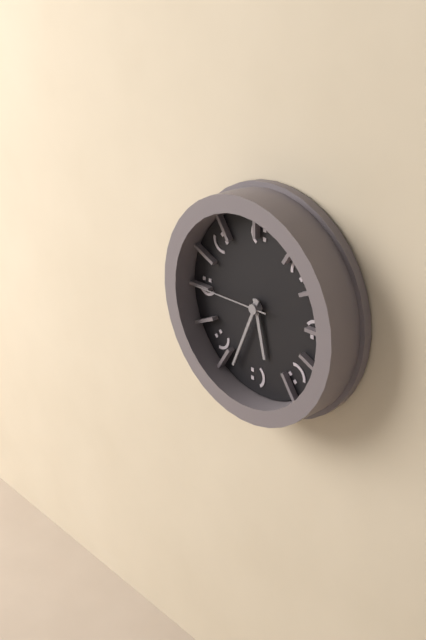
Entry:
h=5 m=34 s=45
